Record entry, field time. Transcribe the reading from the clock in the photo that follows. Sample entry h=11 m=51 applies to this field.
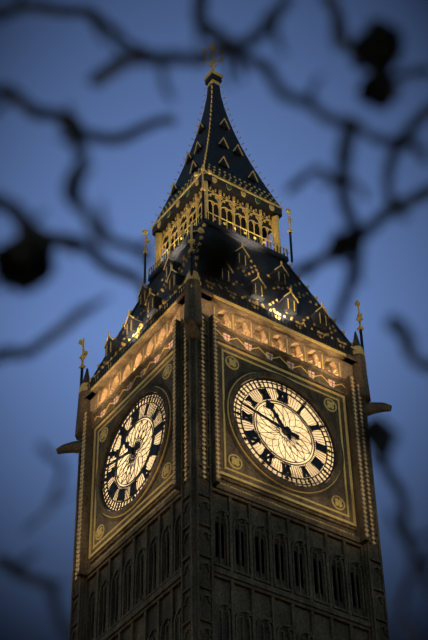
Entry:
h=10 m=47
